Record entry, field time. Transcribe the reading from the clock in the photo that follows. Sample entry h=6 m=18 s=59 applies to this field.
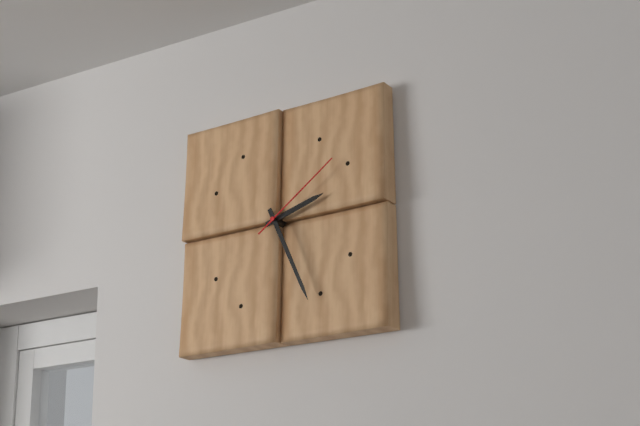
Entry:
h=2 m=26 s=9
